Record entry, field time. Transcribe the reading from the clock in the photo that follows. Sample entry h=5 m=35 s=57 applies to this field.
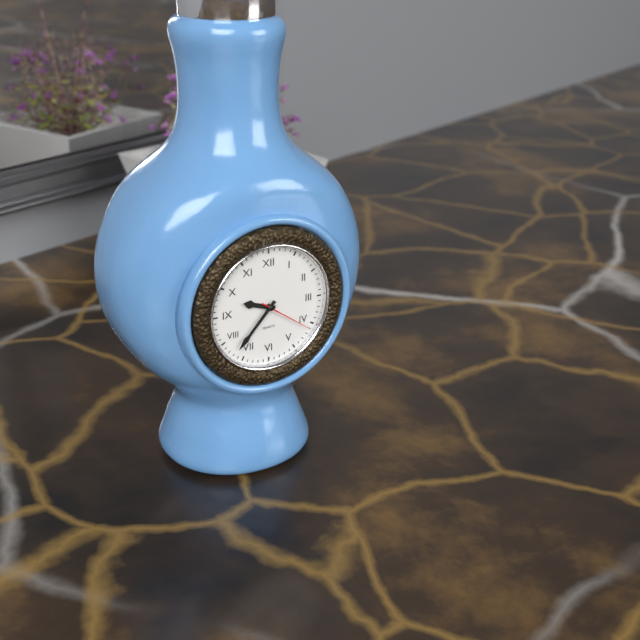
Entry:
h=9 m=37 s=21
